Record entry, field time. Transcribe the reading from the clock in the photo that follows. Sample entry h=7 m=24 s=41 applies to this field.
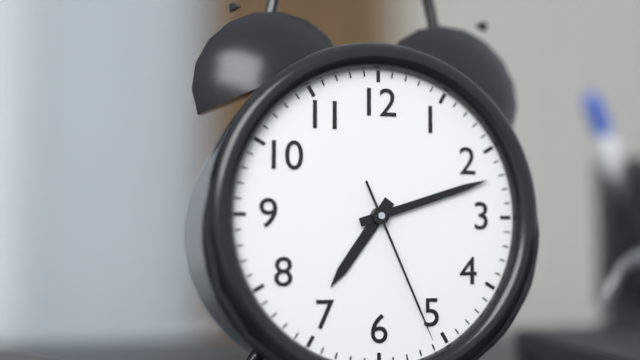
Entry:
h=7 m=12 s=26
